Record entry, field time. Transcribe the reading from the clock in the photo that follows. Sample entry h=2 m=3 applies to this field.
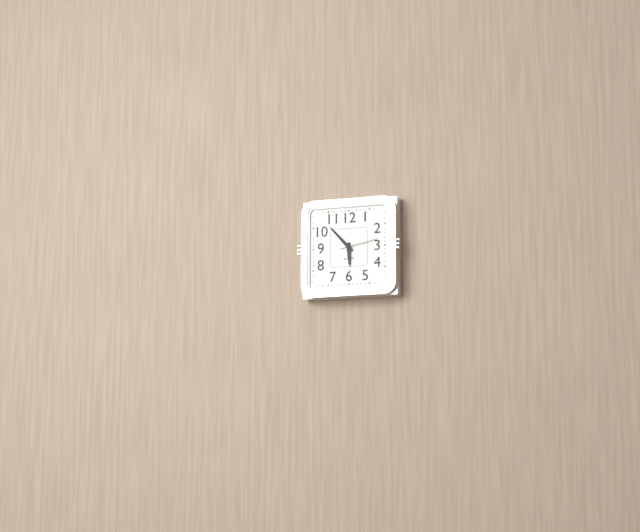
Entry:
h=5 m=53
